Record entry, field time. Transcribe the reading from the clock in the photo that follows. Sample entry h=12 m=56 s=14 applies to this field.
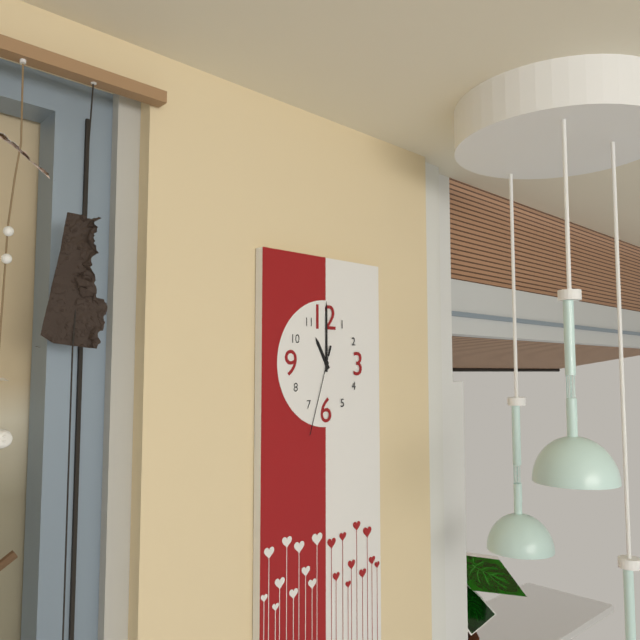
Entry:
h=11 m=0 s=33
